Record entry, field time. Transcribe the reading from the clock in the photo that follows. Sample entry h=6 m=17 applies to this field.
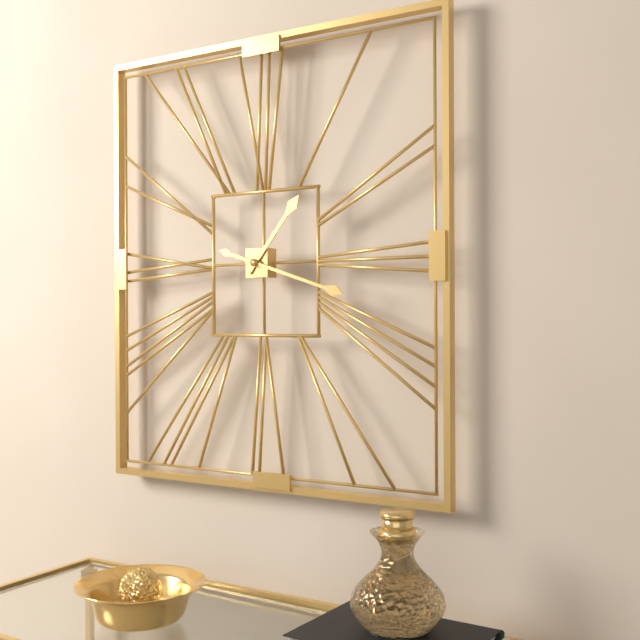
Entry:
h=1 m=18
